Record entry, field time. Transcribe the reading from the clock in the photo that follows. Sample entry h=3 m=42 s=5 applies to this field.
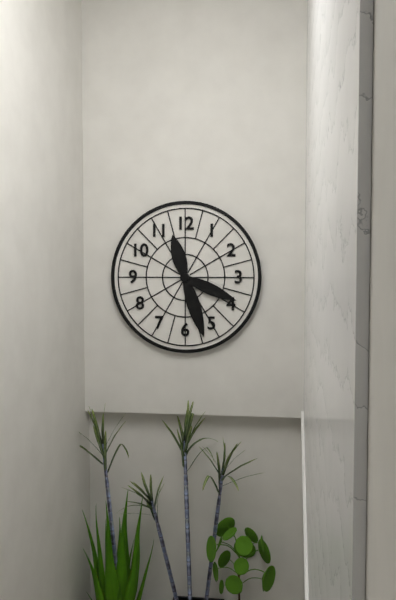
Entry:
h=11 m=27 s=19
